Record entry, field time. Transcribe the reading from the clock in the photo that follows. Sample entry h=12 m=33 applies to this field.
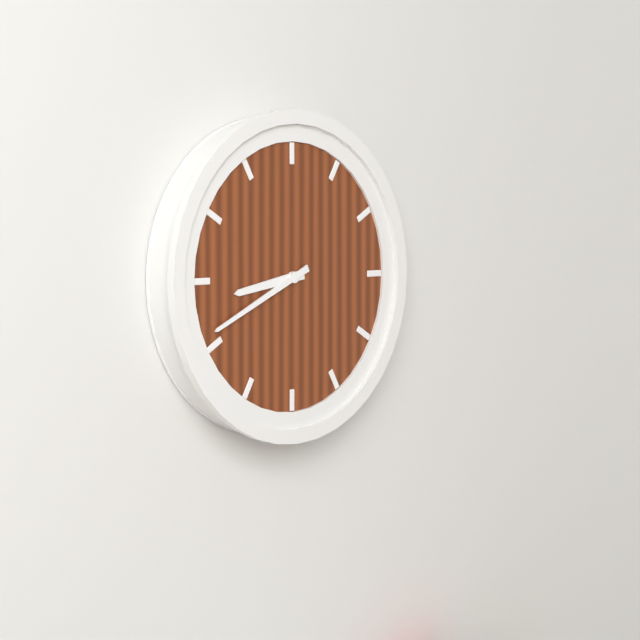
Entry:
h=8 m=41
